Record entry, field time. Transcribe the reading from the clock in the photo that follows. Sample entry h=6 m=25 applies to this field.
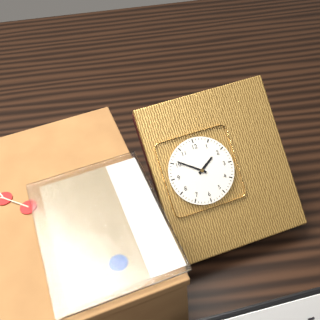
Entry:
h=1 m=51
